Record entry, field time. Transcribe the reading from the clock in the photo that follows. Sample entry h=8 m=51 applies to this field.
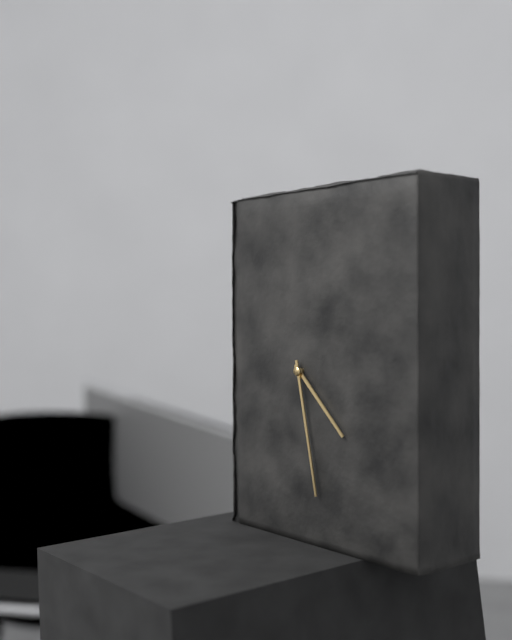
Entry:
h=4 m=28
